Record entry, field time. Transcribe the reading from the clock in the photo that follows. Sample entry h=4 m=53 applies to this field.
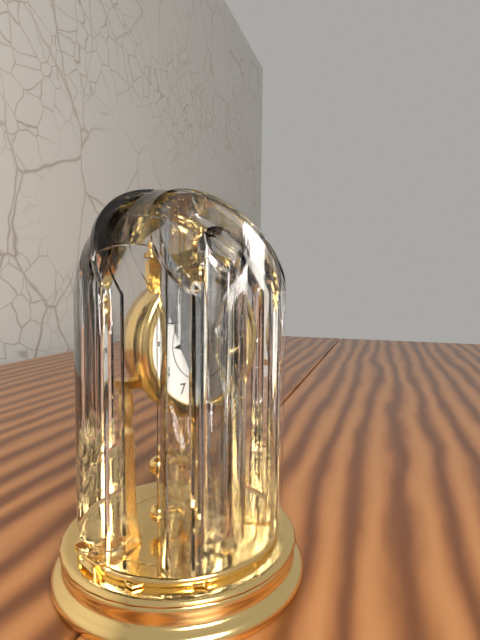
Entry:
h=8 m=54
